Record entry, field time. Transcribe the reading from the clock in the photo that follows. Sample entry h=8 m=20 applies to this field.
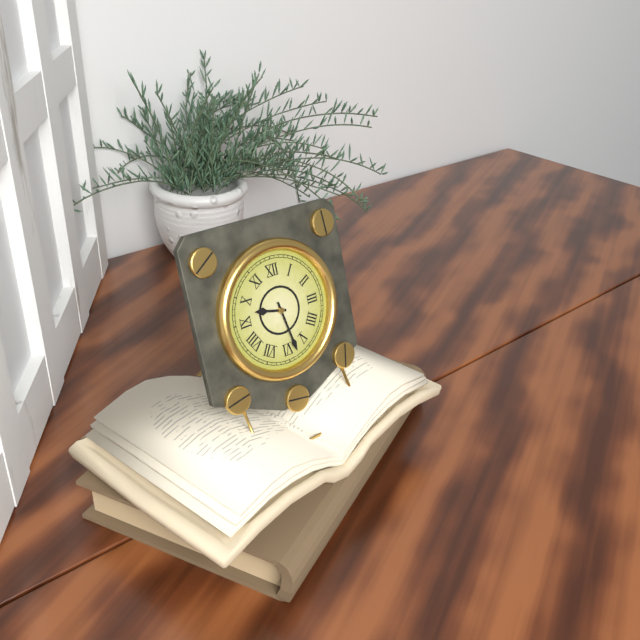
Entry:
h=9 m=28
